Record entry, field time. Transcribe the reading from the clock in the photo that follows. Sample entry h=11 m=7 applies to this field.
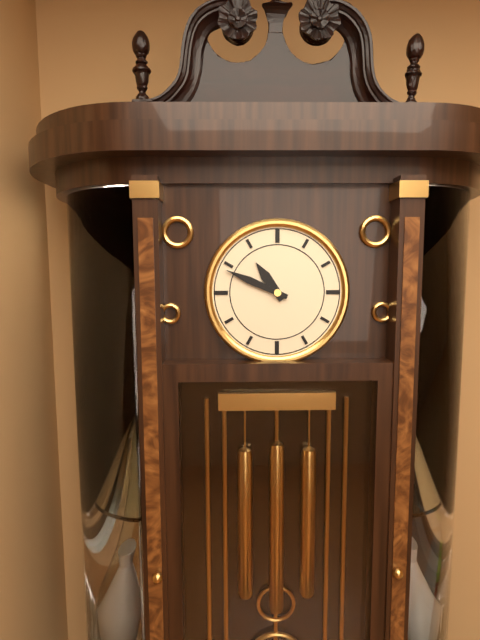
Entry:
h=10 m=49
